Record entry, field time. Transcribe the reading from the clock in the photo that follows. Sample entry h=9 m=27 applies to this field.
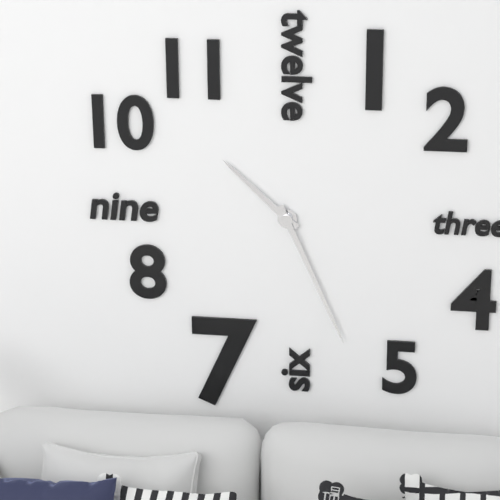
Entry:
h=10 m=26
